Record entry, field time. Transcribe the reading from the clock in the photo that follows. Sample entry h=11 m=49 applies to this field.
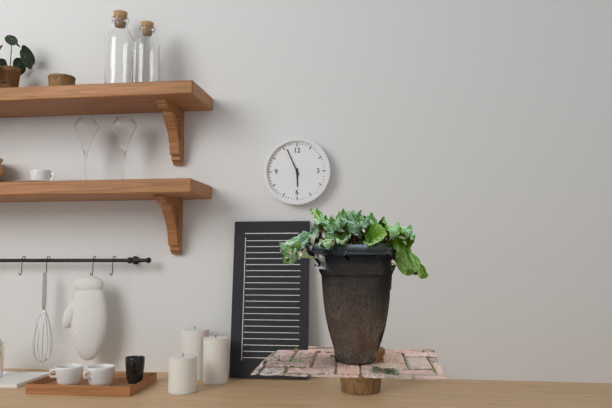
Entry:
h=5 m=56
